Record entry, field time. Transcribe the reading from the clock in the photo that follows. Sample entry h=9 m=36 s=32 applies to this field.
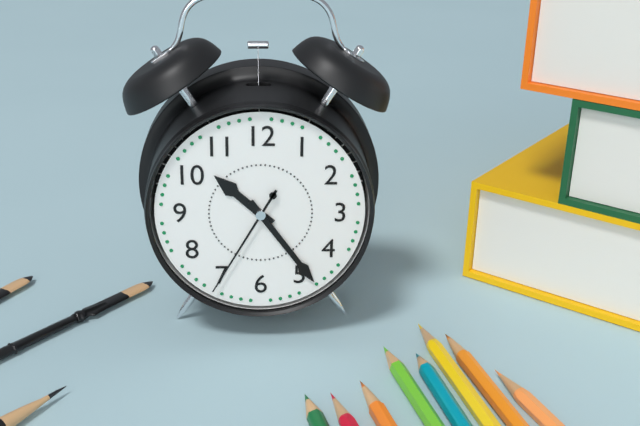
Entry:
h=10 m=24 s=35
